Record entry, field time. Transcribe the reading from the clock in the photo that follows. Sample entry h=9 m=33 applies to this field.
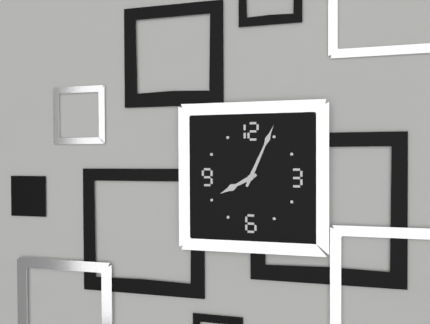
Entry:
h=8 m=4
